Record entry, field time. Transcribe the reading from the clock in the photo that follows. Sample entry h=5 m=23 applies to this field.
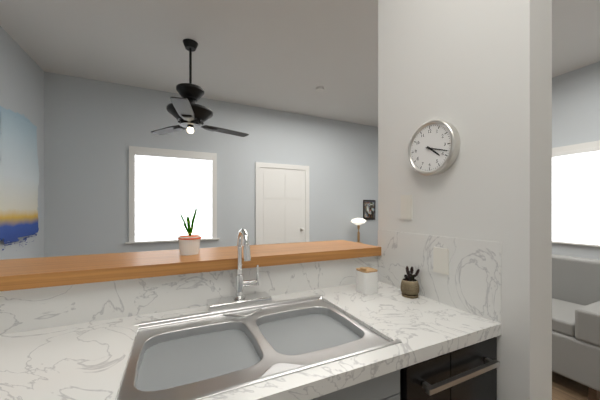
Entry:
h=4 m=18
